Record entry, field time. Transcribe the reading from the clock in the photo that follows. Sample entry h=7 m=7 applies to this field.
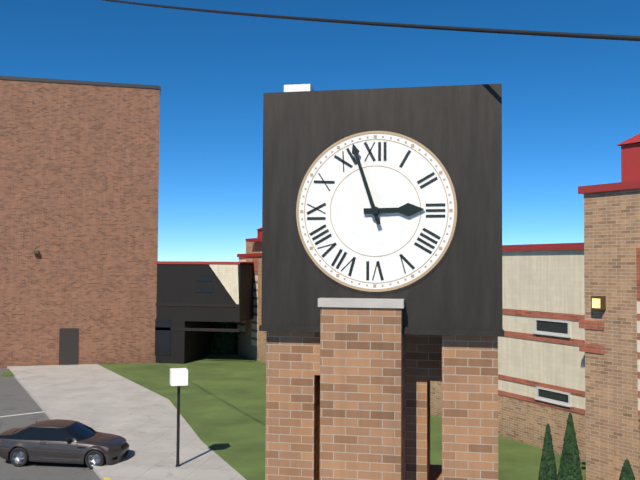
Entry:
h=2 m=57
